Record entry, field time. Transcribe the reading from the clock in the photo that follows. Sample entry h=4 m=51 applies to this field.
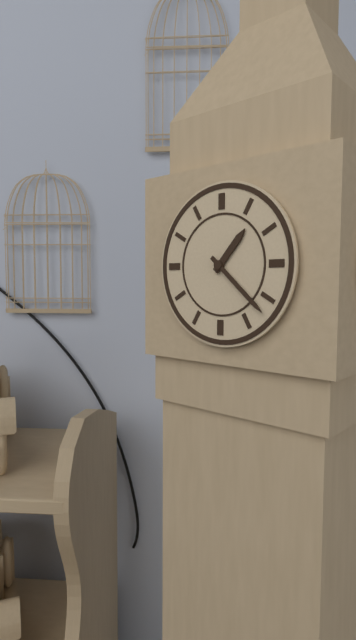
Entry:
h=1 m=22
